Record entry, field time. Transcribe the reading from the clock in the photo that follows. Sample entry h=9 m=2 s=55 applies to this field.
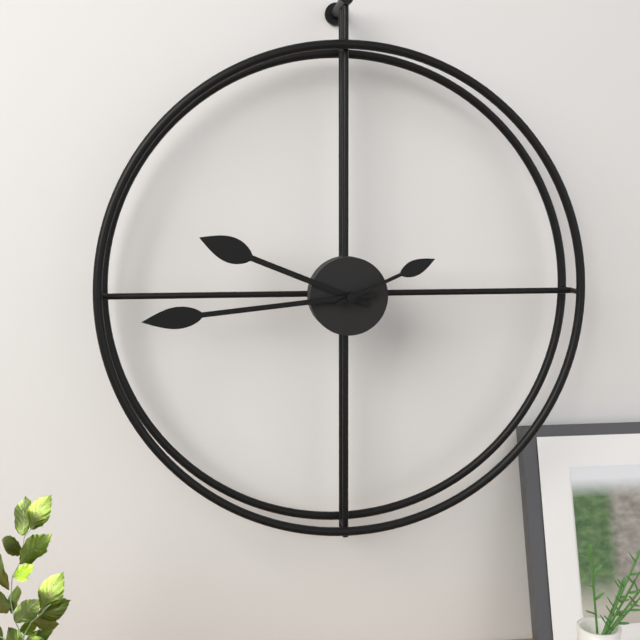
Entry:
h=9 m=44 s=11
